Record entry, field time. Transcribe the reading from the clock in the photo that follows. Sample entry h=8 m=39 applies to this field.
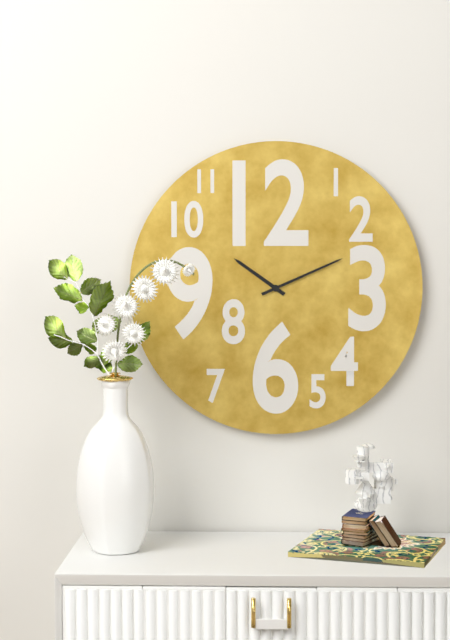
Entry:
h=10 m=11
